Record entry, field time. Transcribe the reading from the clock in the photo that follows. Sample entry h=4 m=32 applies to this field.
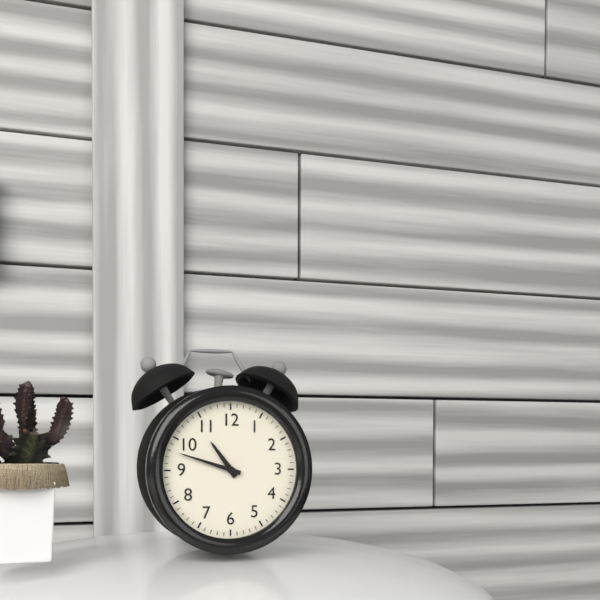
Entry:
h=10 m=48
